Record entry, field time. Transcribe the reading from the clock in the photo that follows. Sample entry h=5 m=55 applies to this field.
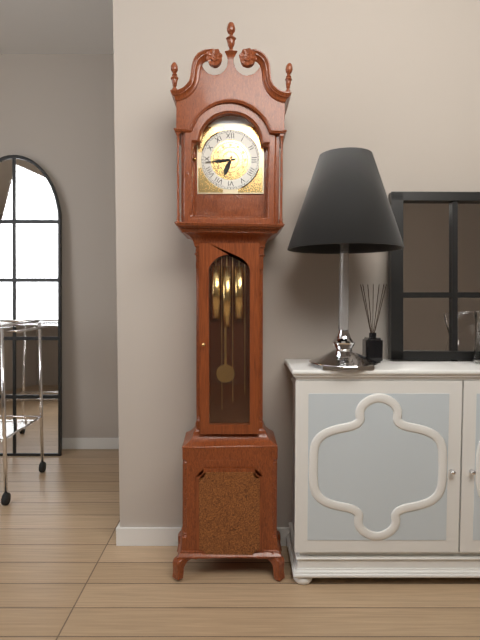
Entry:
h=6 m=44
